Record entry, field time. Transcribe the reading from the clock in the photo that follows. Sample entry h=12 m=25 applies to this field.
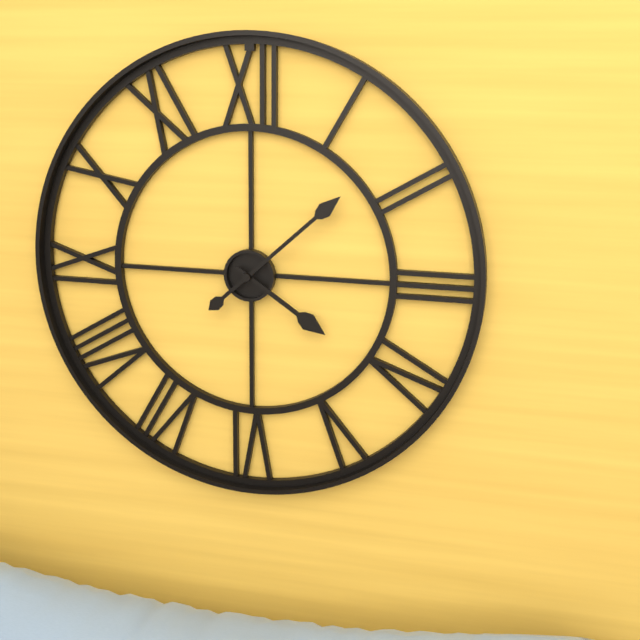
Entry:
h=4 m=8
